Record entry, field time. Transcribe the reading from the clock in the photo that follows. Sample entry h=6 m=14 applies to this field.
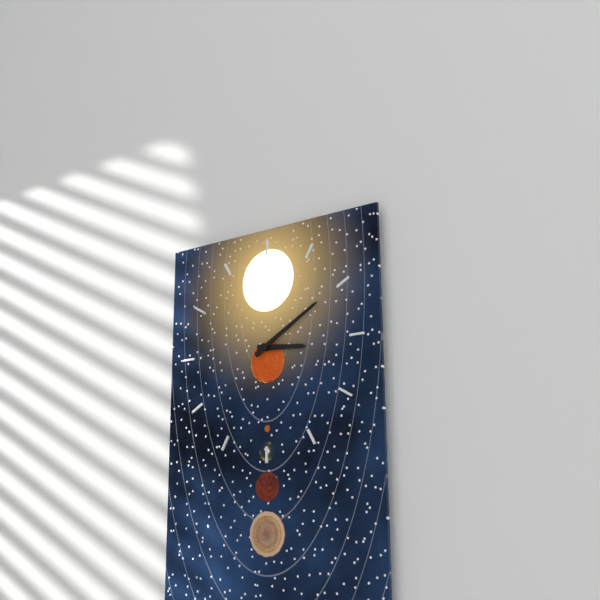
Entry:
h=3 m=10
